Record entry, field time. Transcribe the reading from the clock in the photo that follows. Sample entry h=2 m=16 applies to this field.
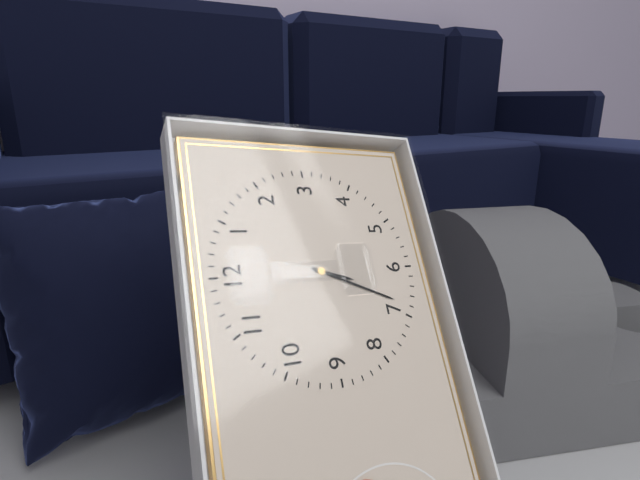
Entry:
h=6 m=34
